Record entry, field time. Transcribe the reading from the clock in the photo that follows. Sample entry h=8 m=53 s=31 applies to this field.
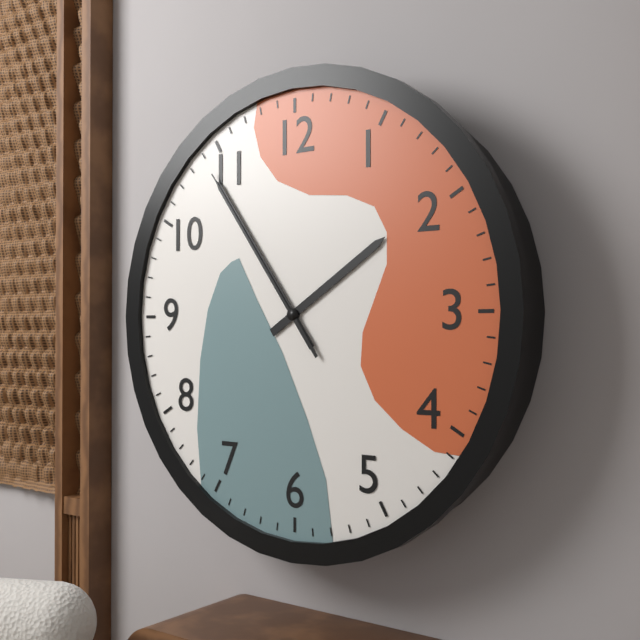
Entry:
h=1 m=54 s=54
